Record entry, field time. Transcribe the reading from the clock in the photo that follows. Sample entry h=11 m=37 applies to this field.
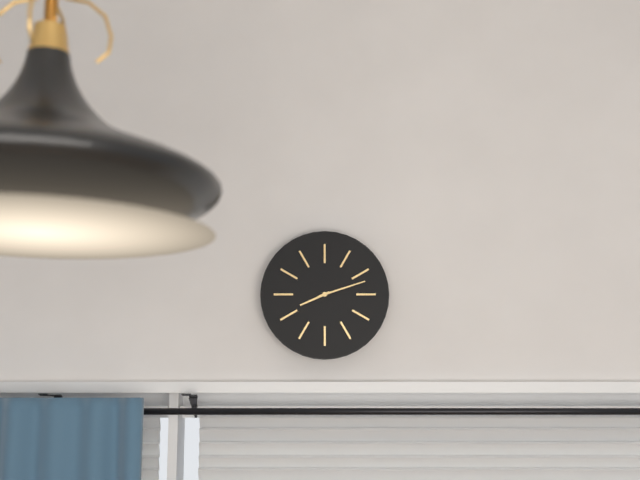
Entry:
h=8 m=12
